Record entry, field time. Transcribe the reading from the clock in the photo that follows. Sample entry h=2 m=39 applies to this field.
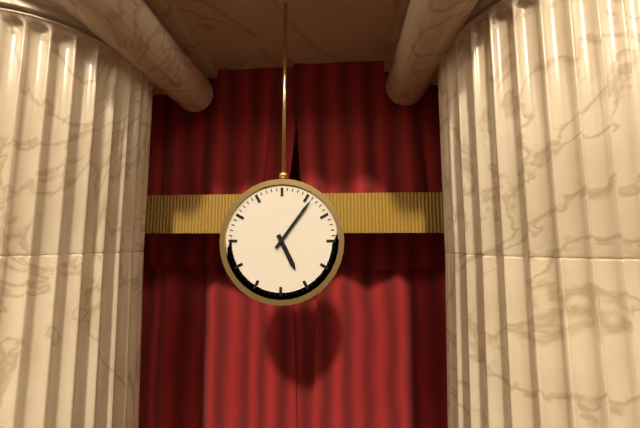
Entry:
h=5 m=6
